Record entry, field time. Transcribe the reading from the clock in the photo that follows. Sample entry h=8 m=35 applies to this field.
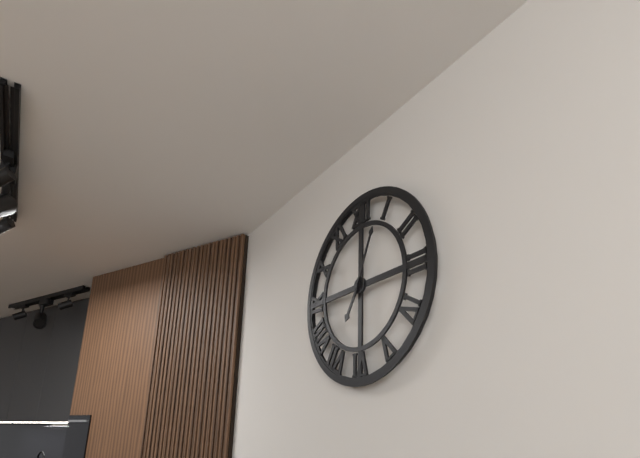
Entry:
h=7 m=4
